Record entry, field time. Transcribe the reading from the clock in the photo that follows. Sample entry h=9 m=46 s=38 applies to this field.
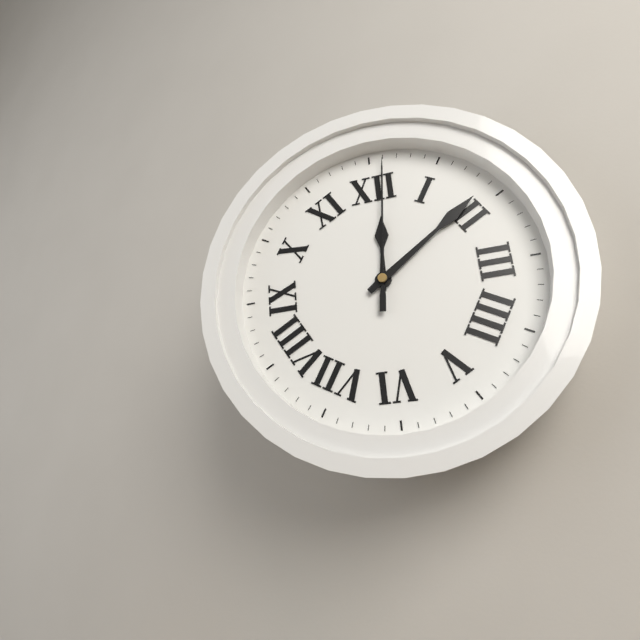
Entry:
h=12 m=9 s=1
